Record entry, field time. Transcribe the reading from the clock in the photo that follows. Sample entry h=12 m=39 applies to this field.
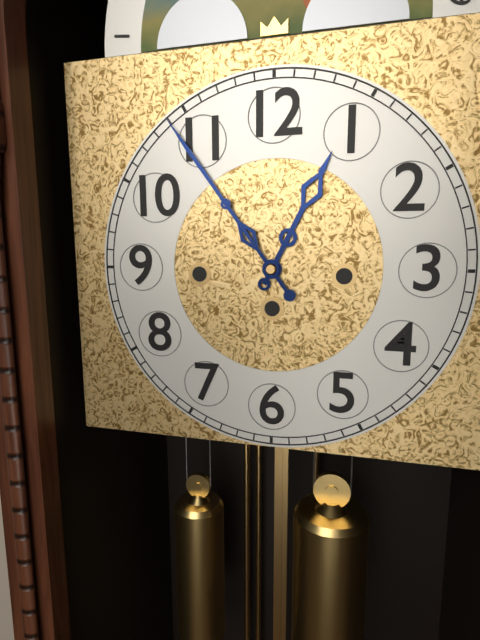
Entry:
h=12 m=54
